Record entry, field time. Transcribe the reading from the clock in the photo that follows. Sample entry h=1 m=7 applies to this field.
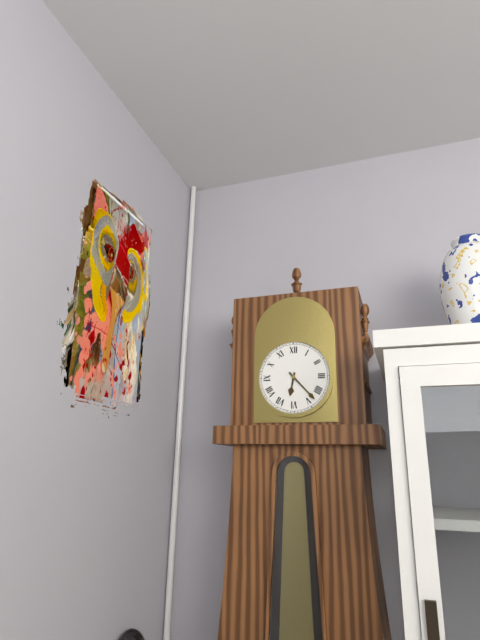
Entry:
h=6 m=23
